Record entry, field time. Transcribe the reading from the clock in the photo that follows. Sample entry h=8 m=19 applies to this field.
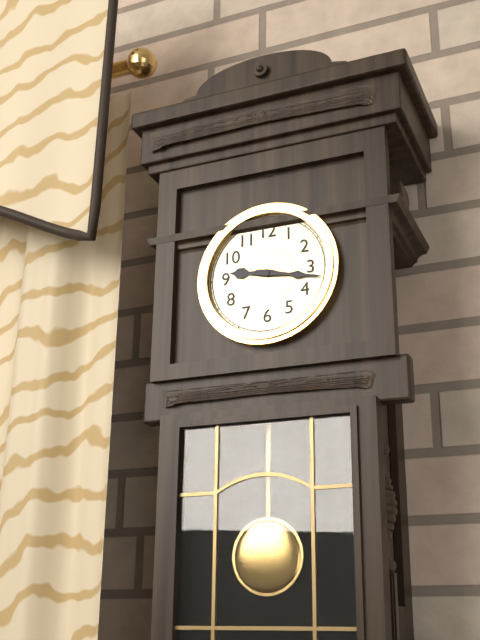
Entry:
h=9 m=17
